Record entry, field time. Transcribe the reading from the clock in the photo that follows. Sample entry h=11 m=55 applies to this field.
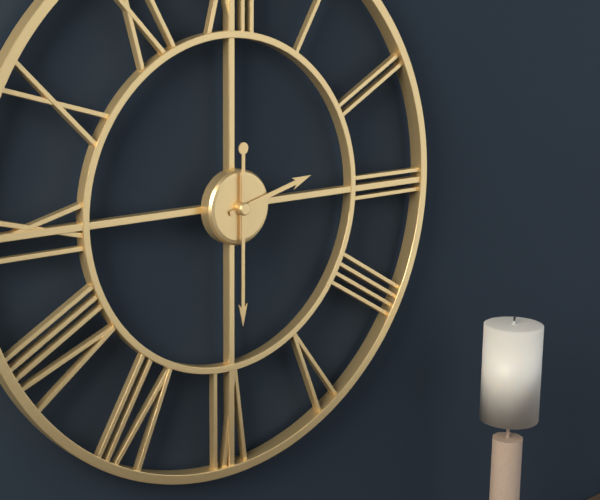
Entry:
h=2 m=30
